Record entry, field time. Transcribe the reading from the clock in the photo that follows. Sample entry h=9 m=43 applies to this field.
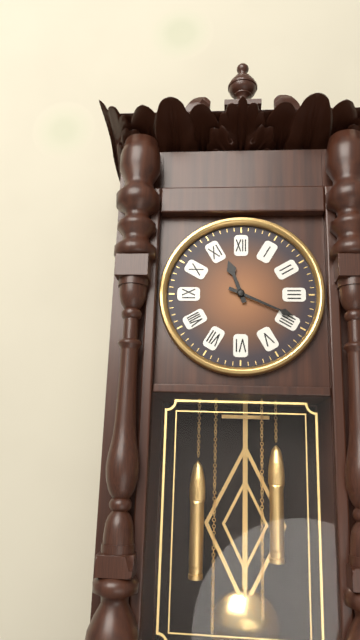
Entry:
h=11 m=19
